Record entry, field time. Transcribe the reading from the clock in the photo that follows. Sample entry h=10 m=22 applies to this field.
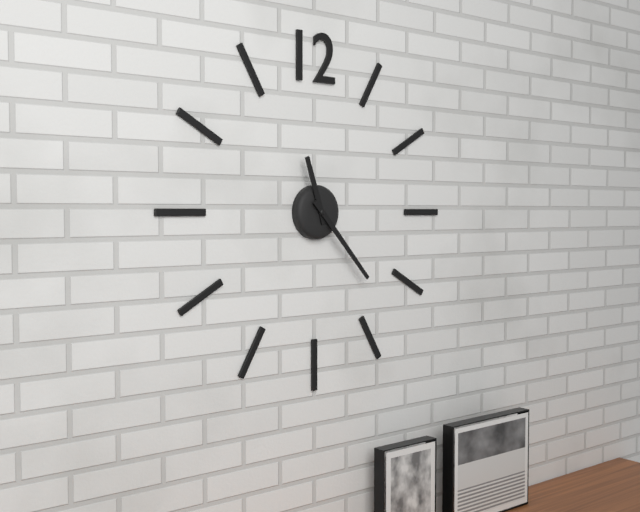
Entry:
h=11 m=23
